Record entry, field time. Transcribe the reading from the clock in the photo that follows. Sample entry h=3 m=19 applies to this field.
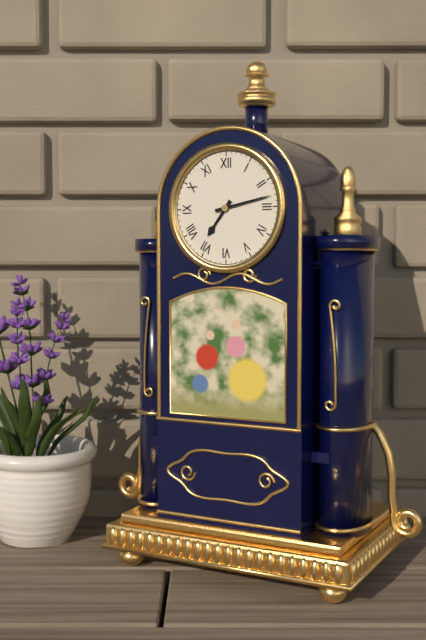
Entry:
h=7 m=13
